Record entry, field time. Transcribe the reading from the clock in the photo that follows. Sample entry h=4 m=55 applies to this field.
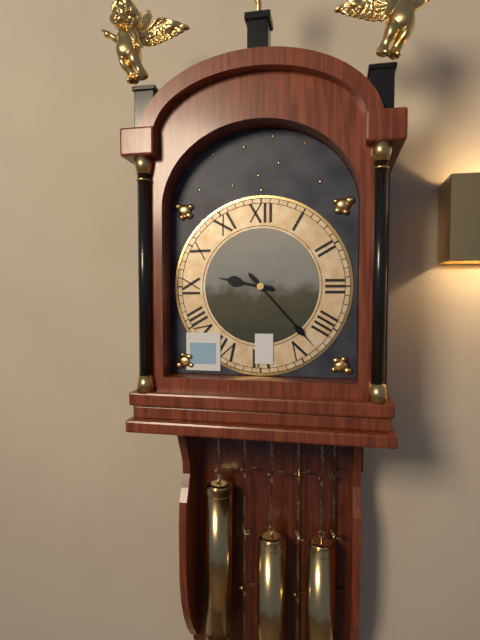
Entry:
h=9 m=23
